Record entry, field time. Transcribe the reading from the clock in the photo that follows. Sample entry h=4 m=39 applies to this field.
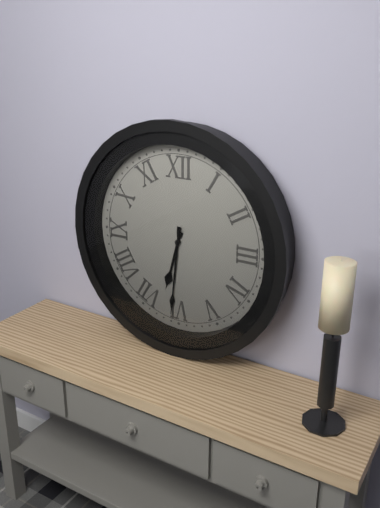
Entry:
h=6 m=31
